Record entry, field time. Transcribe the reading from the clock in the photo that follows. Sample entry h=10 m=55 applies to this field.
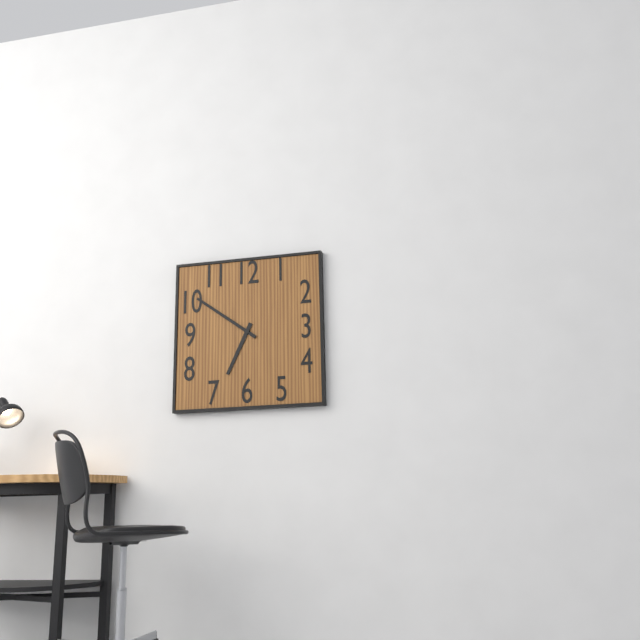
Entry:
h=6 m=51
